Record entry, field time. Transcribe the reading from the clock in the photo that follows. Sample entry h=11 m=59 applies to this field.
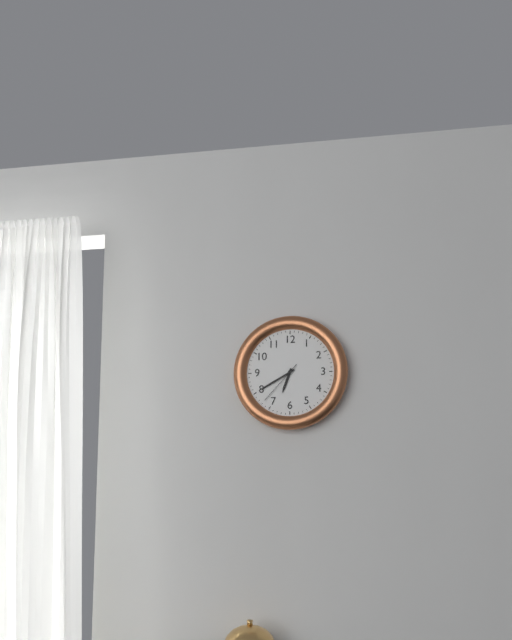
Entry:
h=6 m=40
